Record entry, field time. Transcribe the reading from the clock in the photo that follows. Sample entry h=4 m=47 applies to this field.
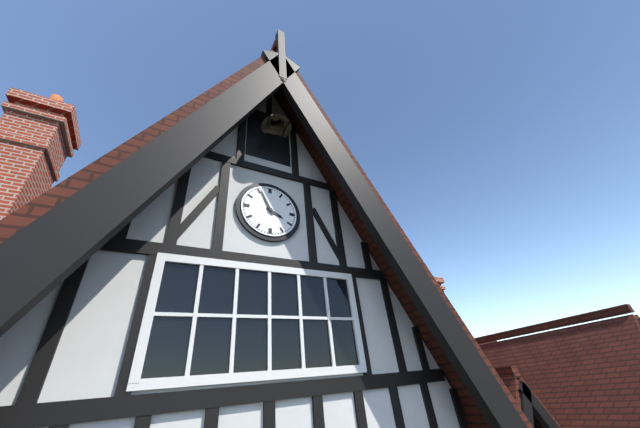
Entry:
h=3 m=56
